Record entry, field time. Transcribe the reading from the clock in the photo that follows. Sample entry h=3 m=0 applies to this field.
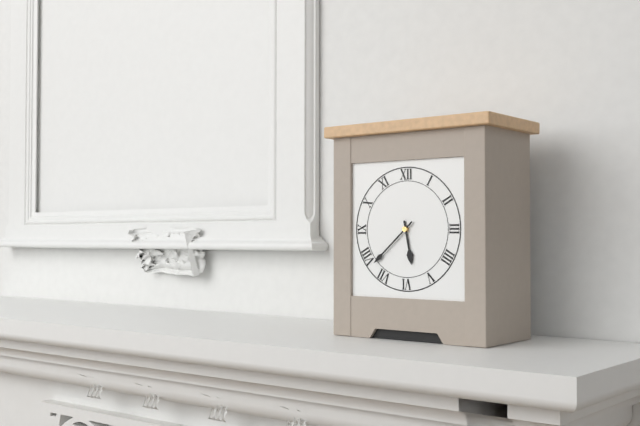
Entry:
h=5 m=38
